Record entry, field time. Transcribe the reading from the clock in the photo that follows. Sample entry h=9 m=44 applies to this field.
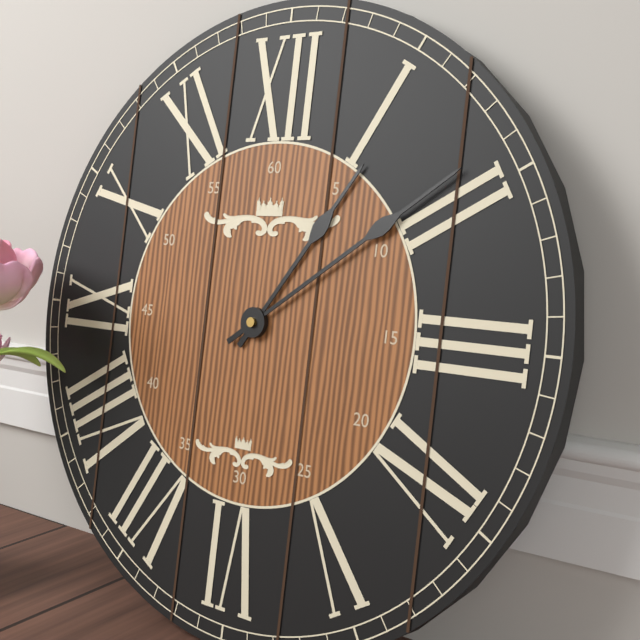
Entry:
h=1 m=9
